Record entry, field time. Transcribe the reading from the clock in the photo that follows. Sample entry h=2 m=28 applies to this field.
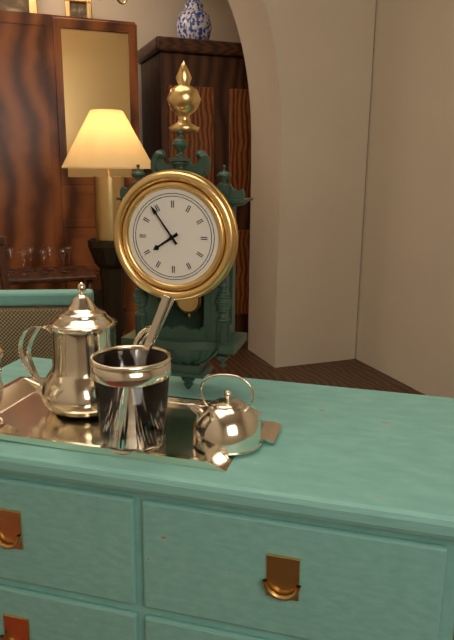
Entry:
h=7 m=54
